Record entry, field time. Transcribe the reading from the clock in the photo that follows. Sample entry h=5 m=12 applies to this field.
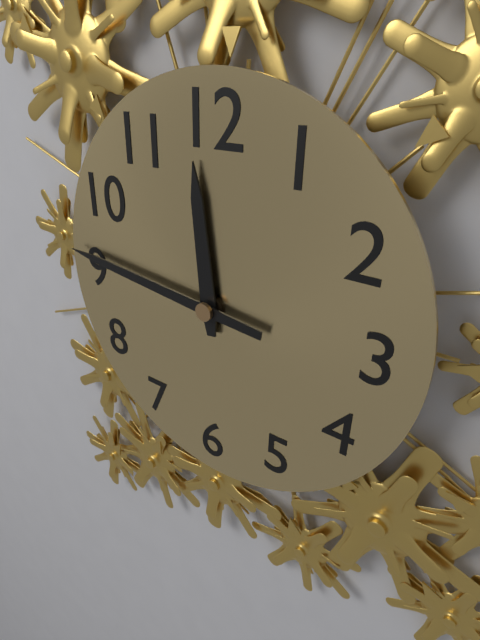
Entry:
h=11 m=46
